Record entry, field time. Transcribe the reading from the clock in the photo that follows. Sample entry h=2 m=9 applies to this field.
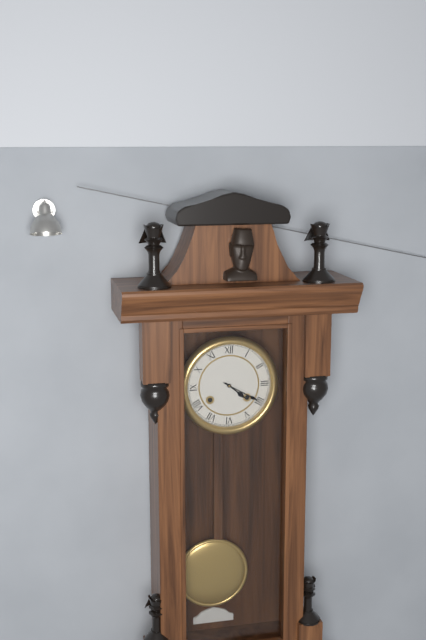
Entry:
h=4 m=20
